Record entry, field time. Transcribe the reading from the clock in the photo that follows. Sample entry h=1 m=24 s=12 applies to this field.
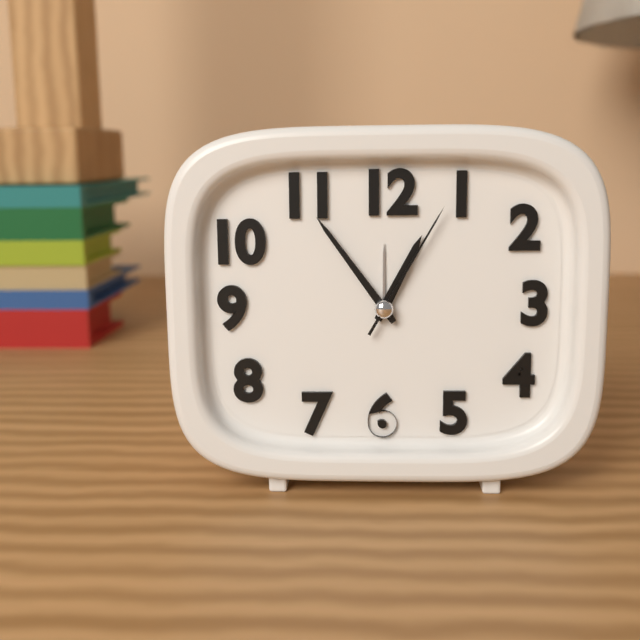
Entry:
h=12 m=54 s=5
